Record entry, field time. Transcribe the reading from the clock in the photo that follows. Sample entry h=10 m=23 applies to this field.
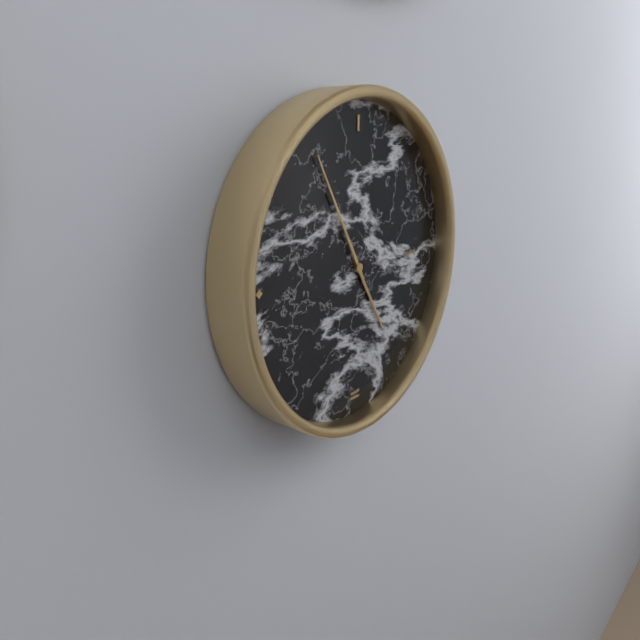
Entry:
h=4 m=55
